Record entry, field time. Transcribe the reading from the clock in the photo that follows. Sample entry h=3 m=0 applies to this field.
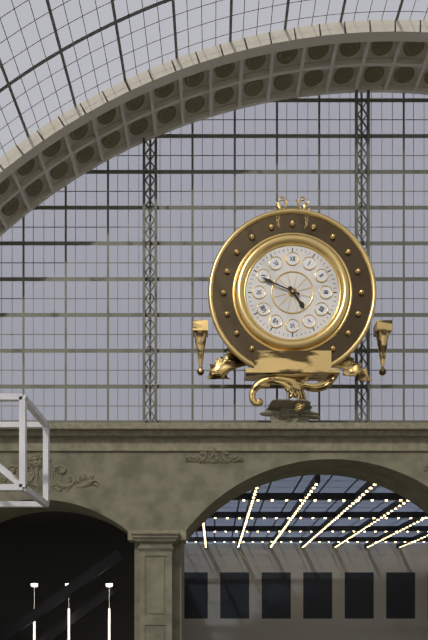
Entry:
h=4 m=49
